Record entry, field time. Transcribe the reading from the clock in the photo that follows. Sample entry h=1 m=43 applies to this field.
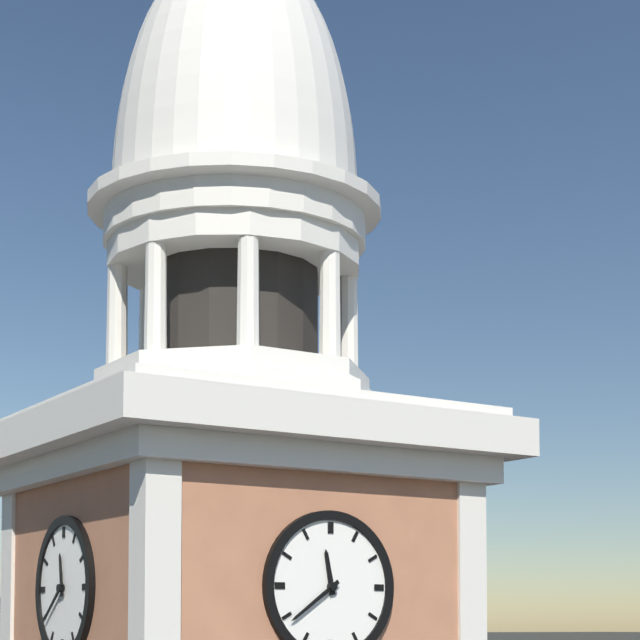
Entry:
h=11 m=39
